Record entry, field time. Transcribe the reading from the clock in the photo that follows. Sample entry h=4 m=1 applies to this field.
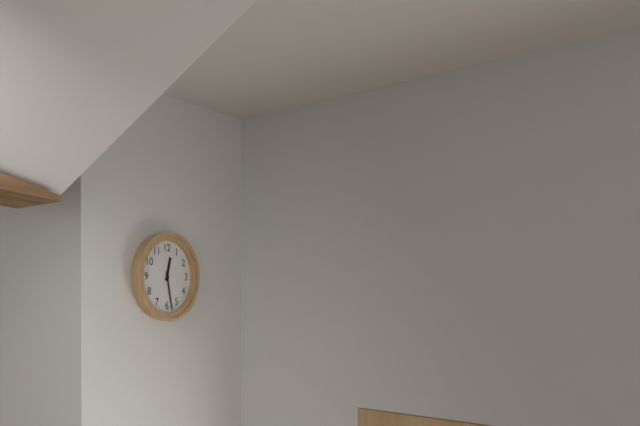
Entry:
h=12 m=28
